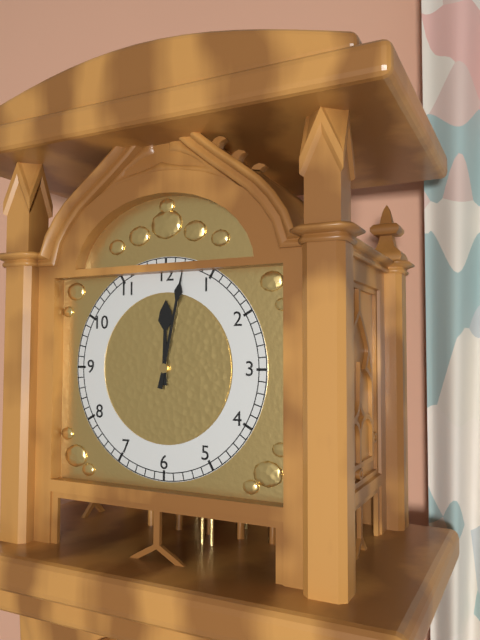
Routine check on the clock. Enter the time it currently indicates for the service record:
12:02
